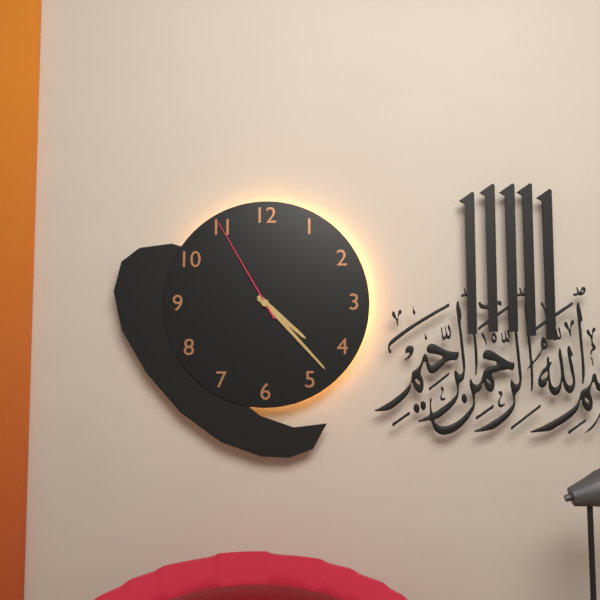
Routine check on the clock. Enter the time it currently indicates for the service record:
4:23:55
